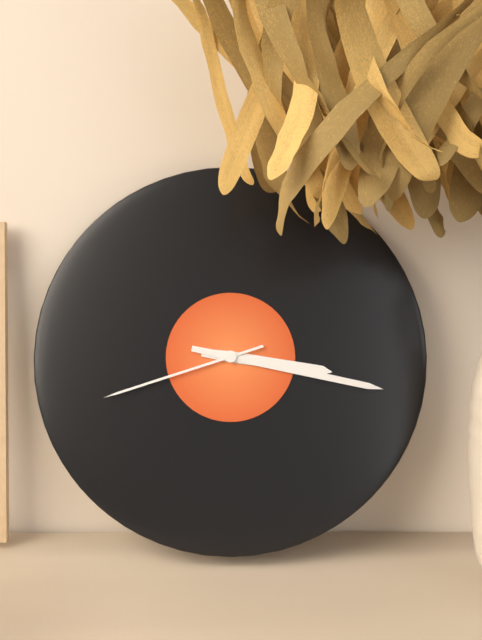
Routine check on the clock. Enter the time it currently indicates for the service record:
3:17:42
